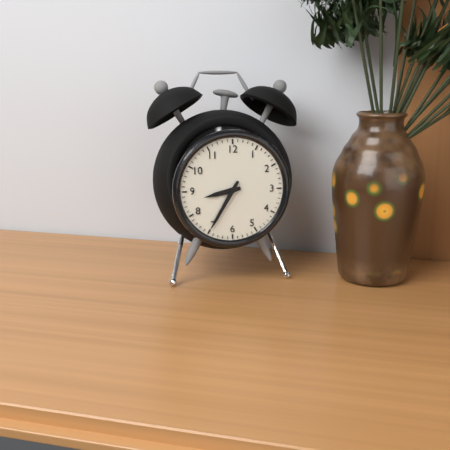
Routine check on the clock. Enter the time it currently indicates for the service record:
8:35
